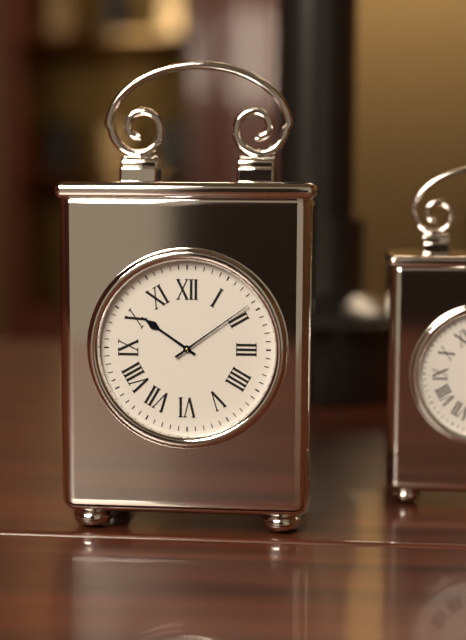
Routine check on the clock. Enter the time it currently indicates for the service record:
10:09
